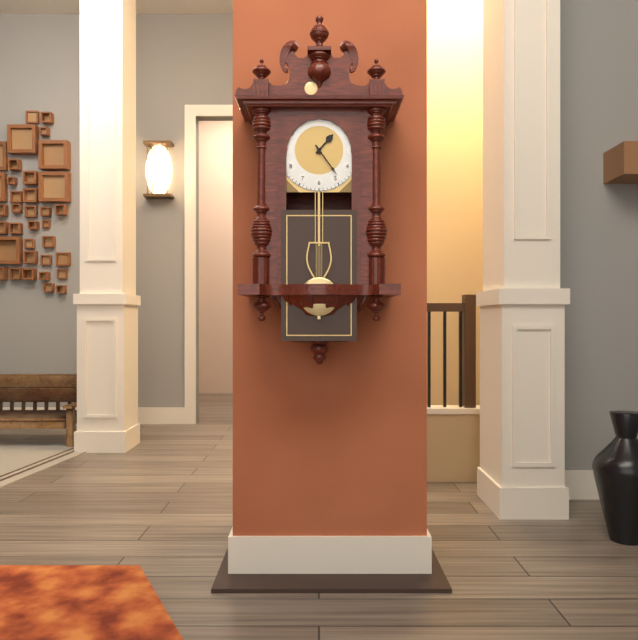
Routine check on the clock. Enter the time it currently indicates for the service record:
1:24
